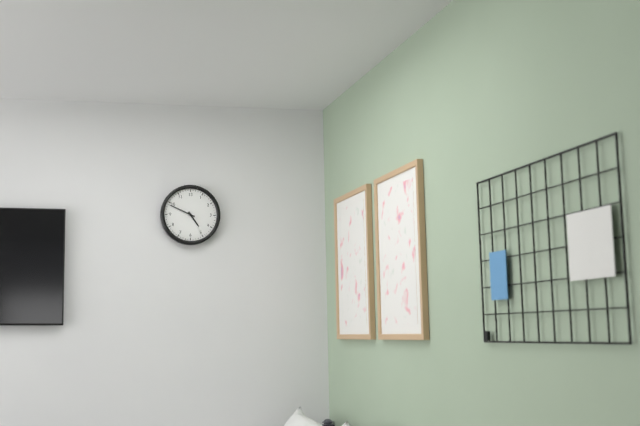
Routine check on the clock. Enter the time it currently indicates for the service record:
4:49
